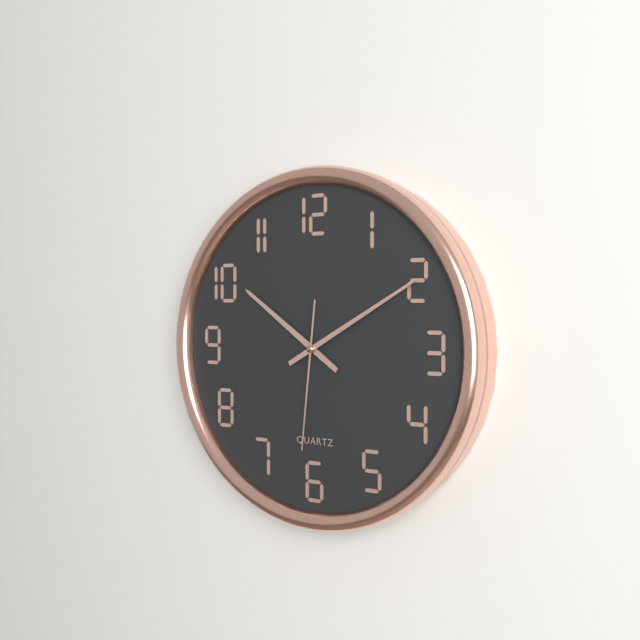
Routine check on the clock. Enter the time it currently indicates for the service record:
10:10:31
